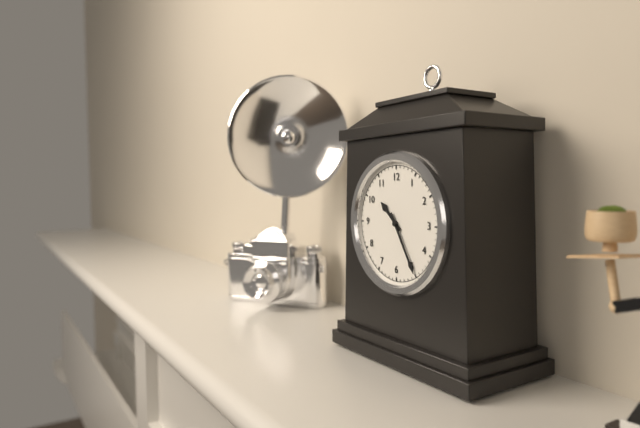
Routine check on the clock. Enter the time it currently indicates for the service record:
10:25
